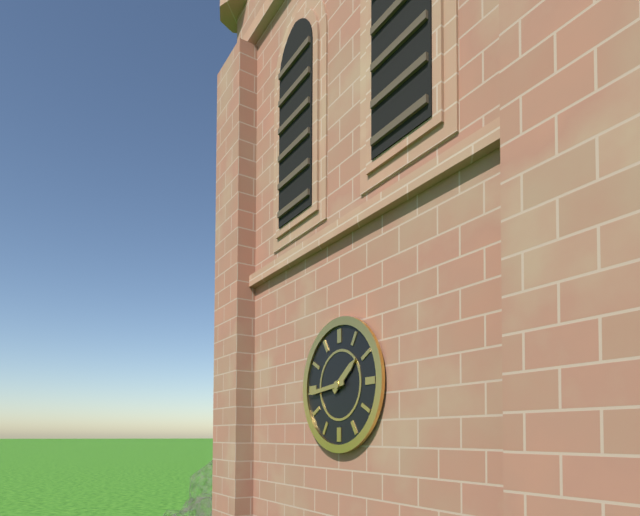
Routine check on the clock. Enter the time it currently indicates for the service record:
1:44
